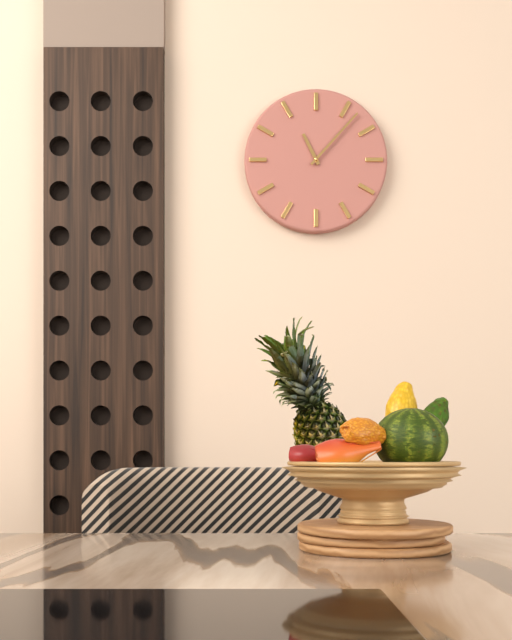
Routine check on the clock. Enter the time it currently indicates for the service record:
11:07
